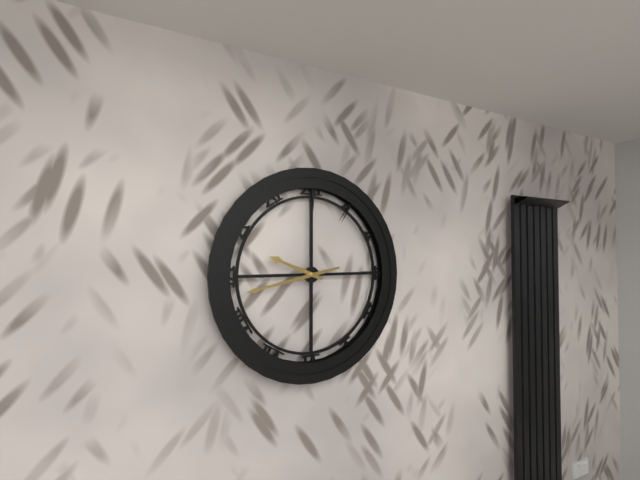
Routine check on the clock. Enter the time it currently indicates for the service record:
9:43
